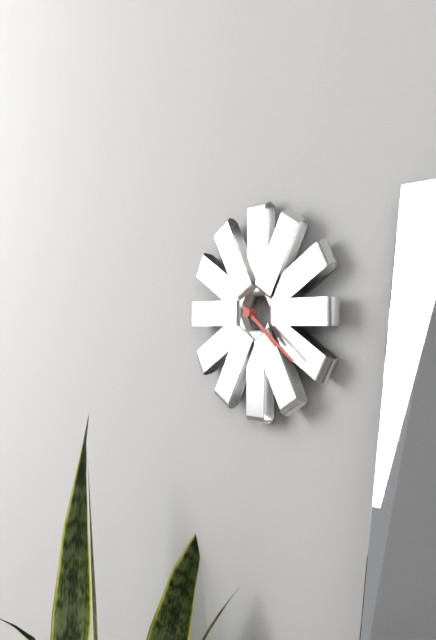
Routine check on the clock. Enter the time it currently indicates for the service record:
4:21
